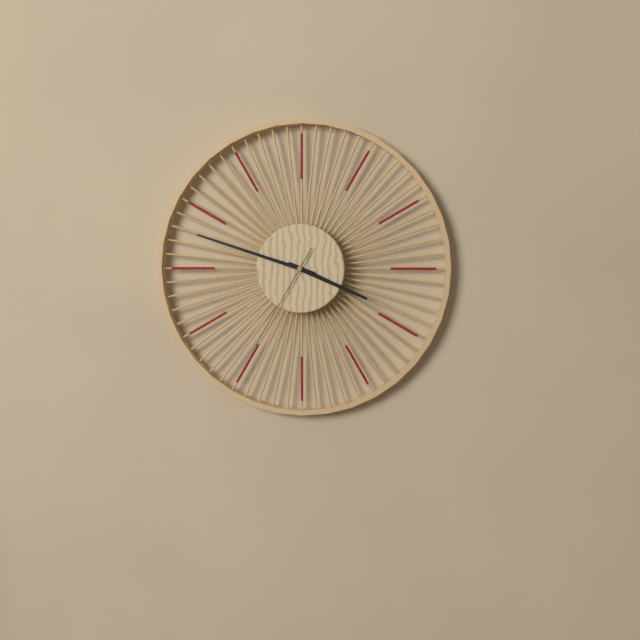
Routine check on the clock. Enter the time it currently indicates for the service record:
3:48:35
